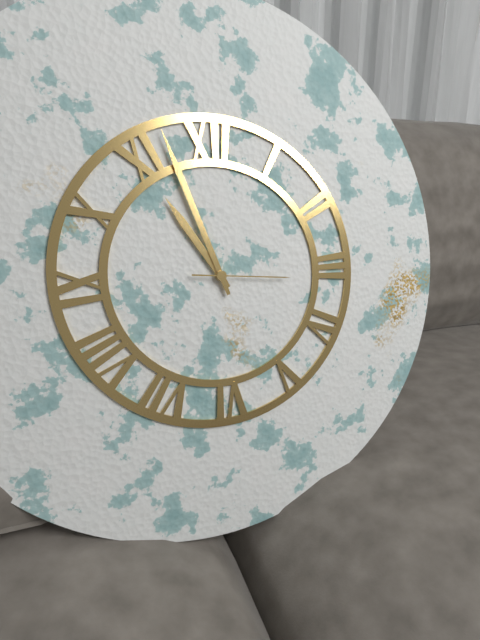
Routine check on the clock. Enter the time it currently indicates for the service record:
10:57:16
